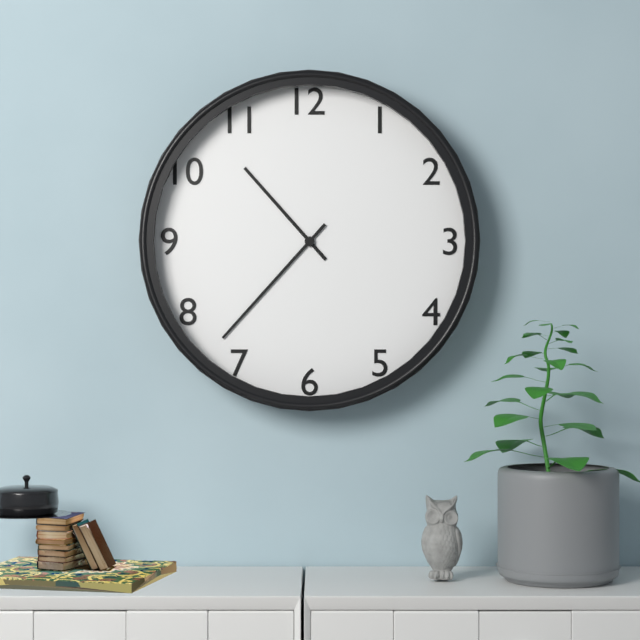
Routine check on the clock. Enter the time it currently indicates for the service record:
10:37
